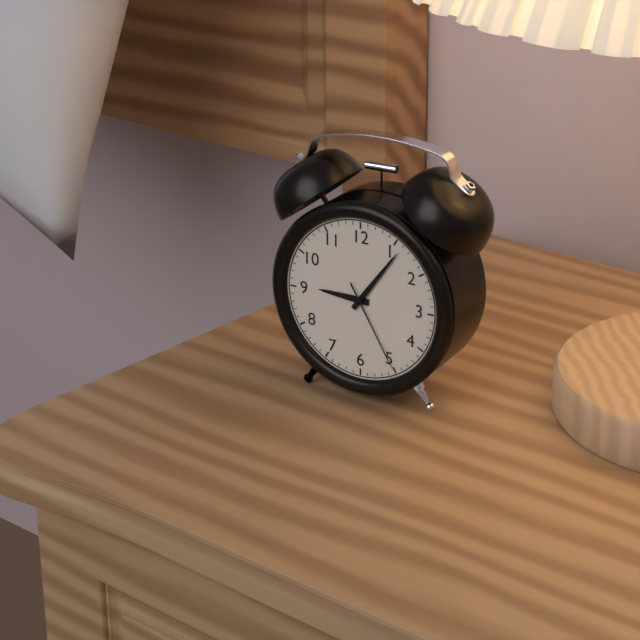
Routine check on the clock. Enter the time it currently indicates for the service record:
9:06:25
